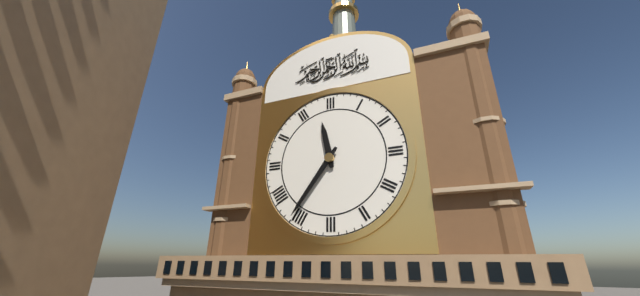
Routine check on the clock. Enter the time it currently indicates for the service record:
11:36
